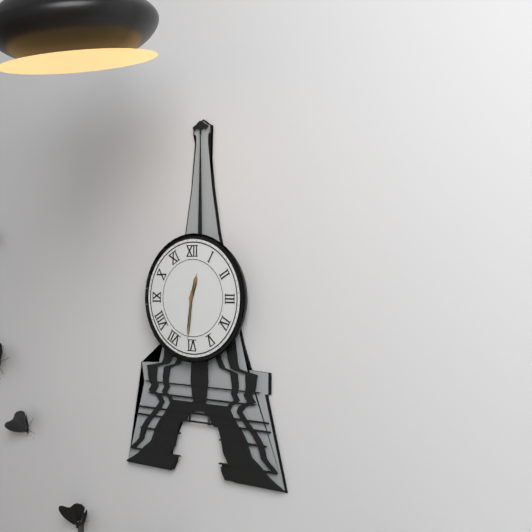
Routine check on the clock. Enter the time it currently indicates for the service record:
12:31
